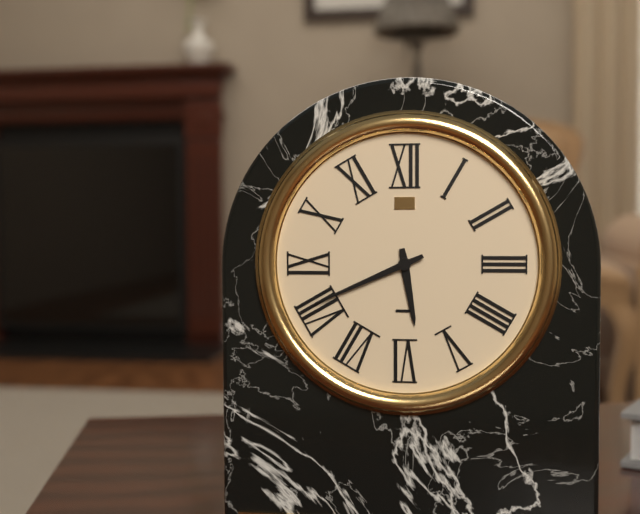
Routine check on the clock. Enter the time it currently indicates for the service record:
5:41
